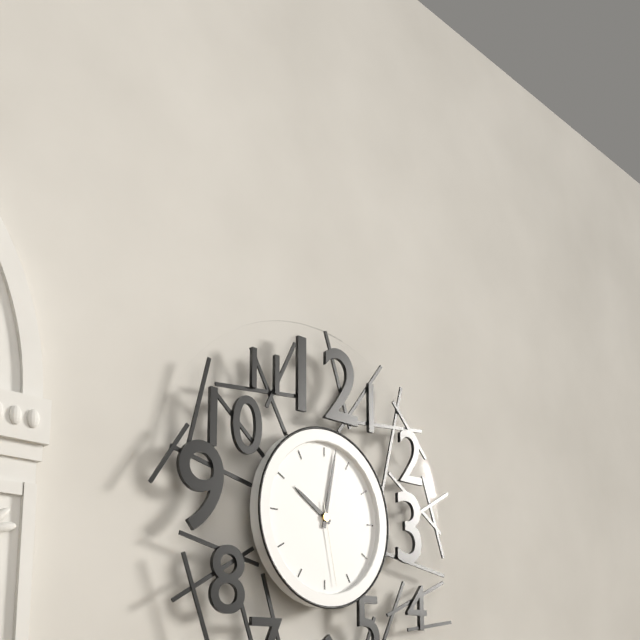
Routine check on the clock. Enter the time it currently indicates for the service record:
10:02:28
